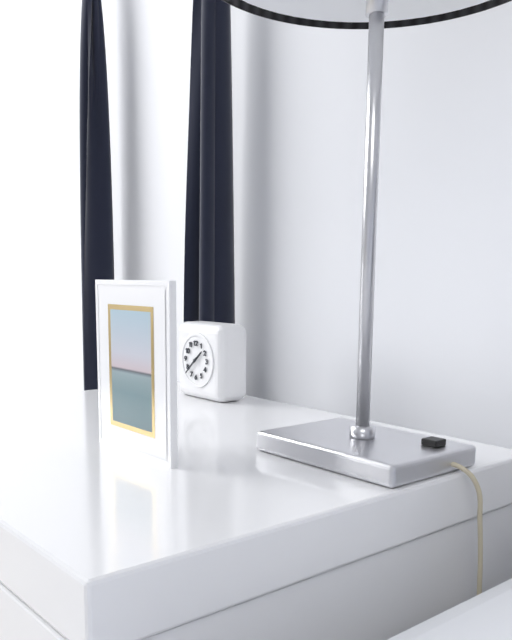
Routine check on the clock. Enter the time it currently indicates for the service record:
1:38
